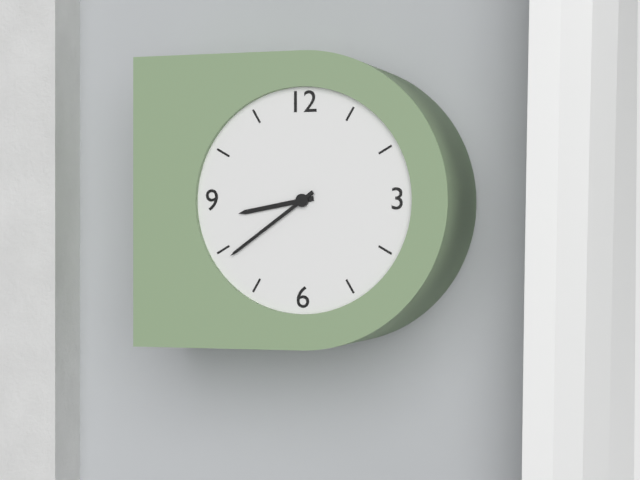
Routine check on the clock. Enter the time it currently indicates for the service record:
8:39
